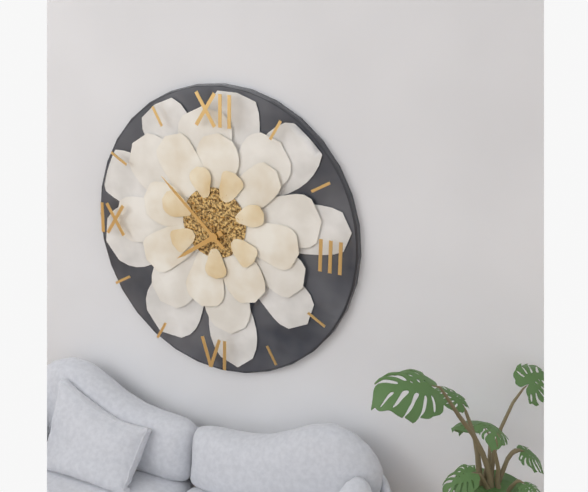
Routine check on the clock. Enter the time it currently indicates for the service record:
7:52
